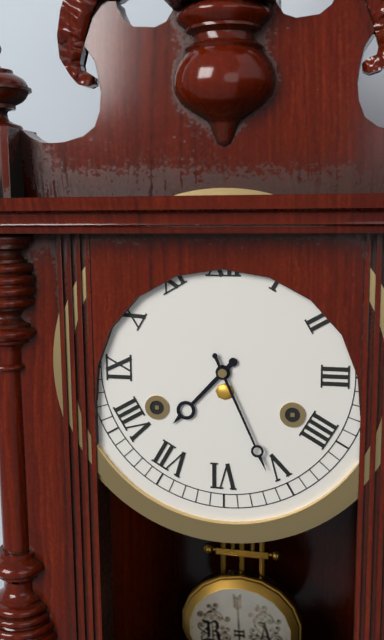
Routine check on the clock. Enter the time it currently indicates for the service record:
7:26
